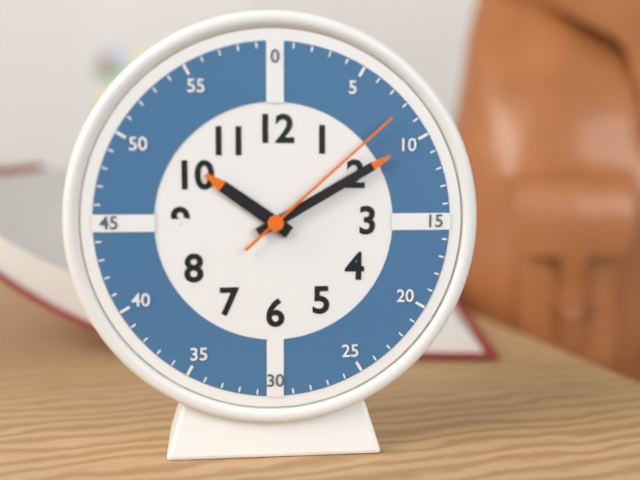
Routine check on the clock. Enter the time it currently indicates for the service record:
10:10:08
